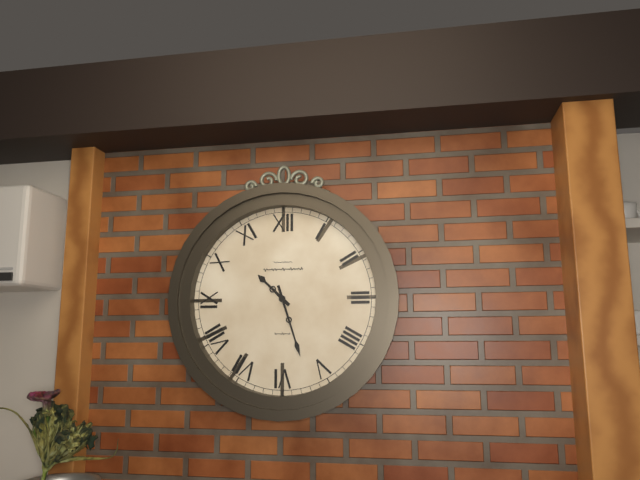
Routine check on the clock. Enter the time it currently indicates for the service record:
10:27
